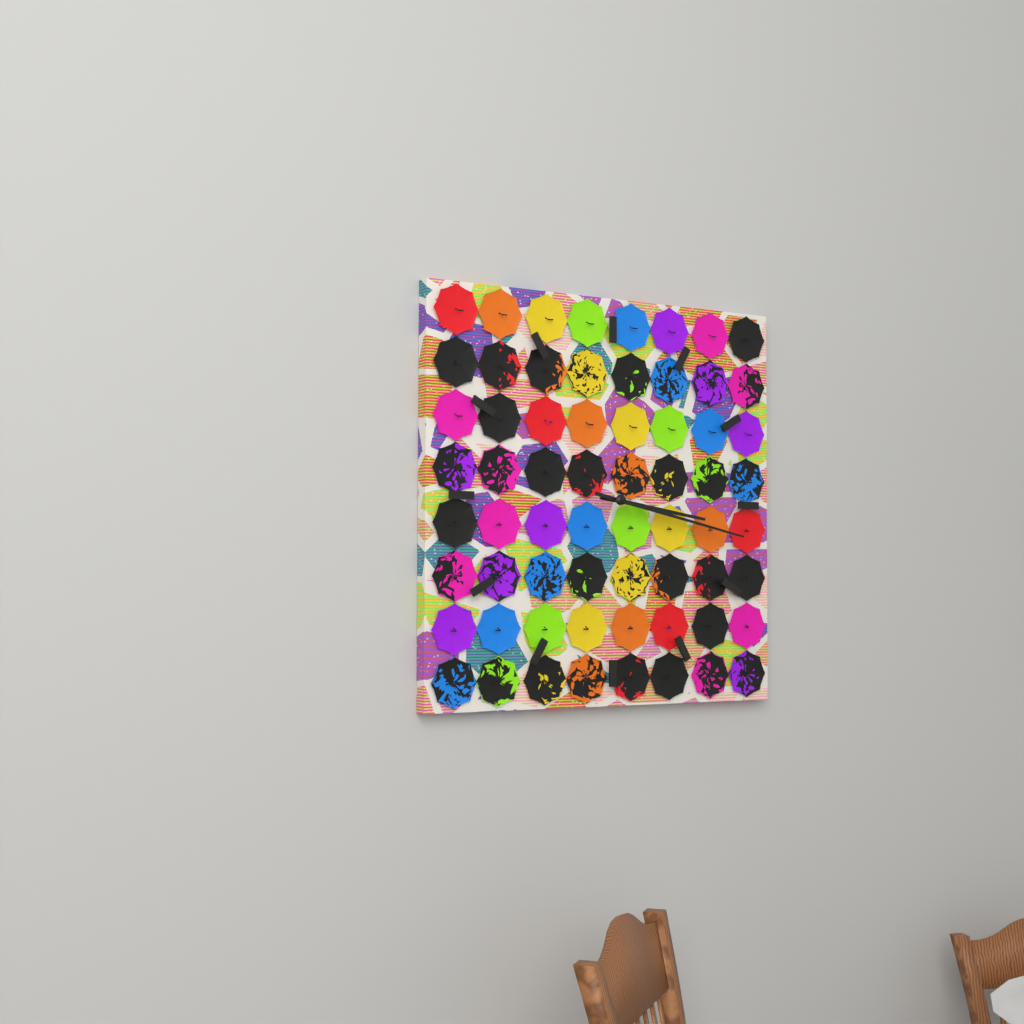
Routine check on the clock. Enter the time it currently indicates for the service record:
3:17
